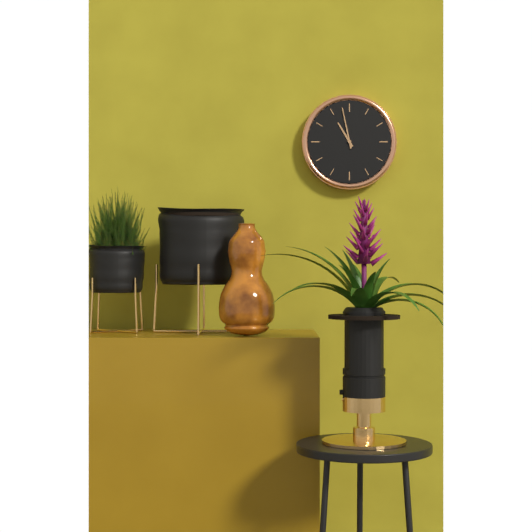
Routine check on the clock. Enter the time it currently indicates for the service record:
10:58
